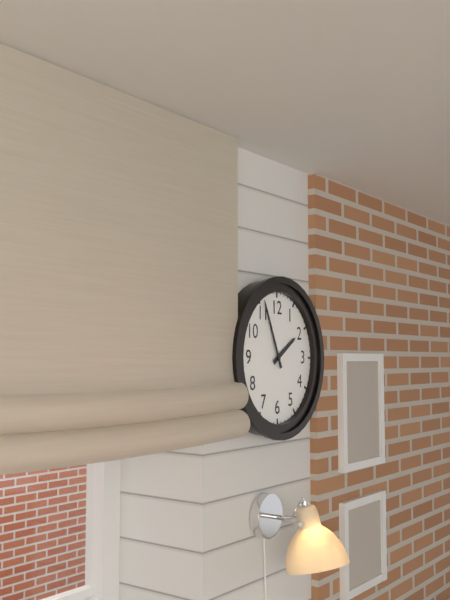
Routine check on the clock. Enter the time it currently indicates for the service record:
1:56
